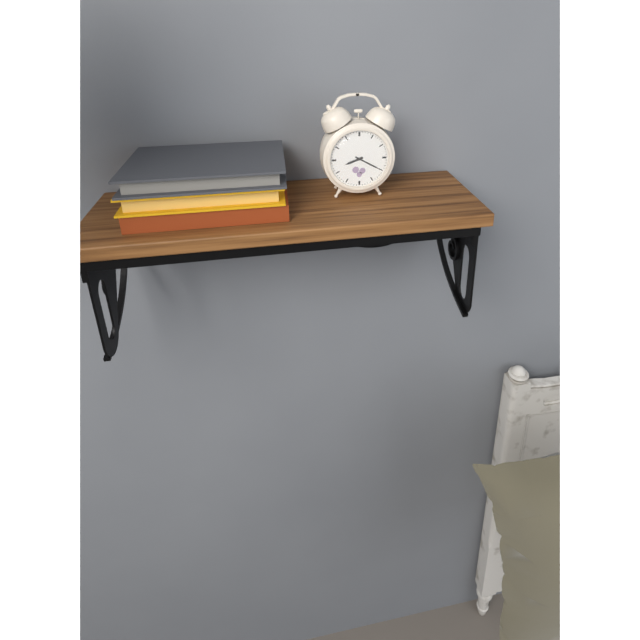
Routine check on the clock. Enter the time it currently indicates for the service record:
8:20
